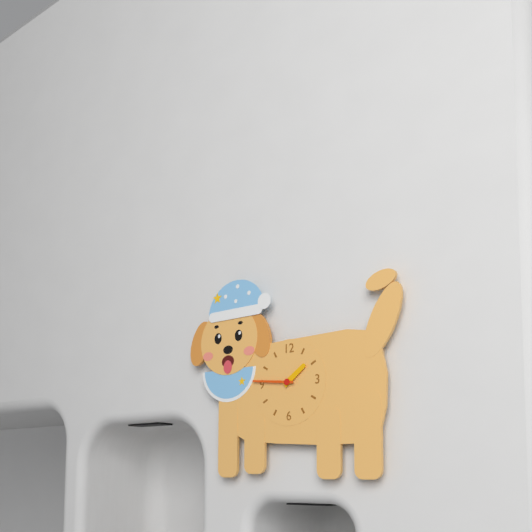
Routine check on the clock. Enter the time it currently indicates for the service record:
1:46
